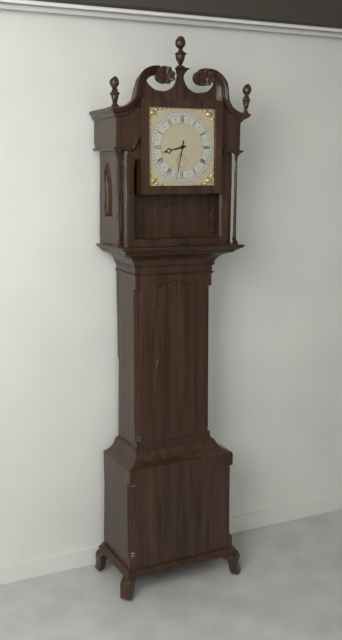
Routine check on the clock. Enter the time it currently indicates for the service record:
8:32
